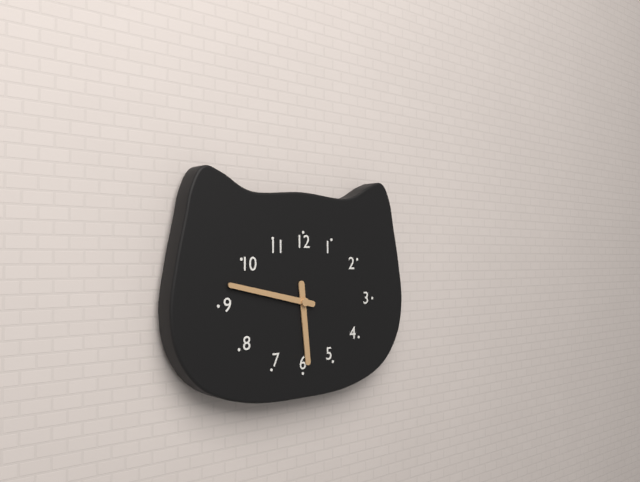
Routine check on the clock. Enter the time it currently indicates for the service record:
5:47
